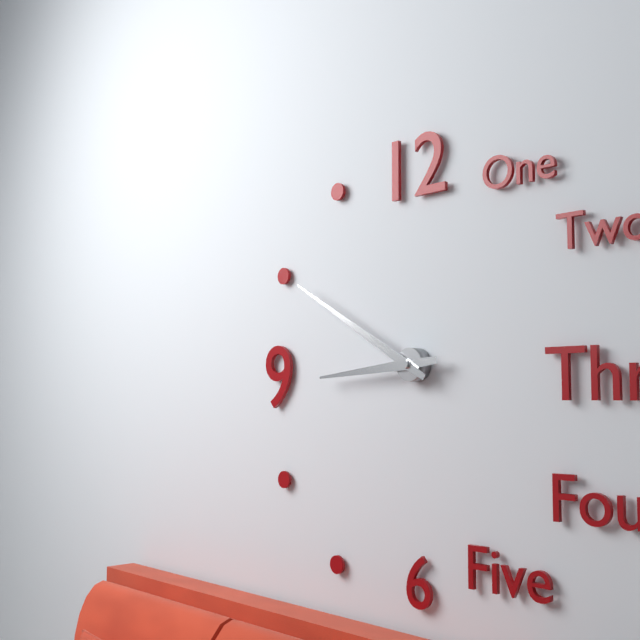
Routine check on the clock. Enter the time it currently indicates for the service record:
8:50
